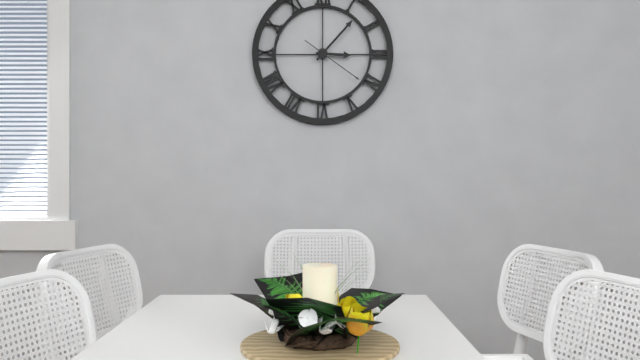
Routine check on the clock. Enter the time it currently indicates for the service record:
3:07:21
